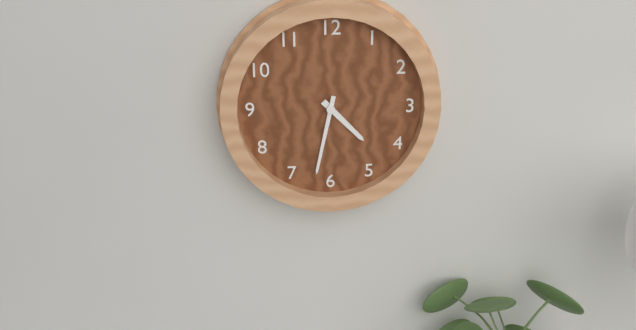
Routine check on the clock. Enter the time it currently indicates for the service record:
4:32
